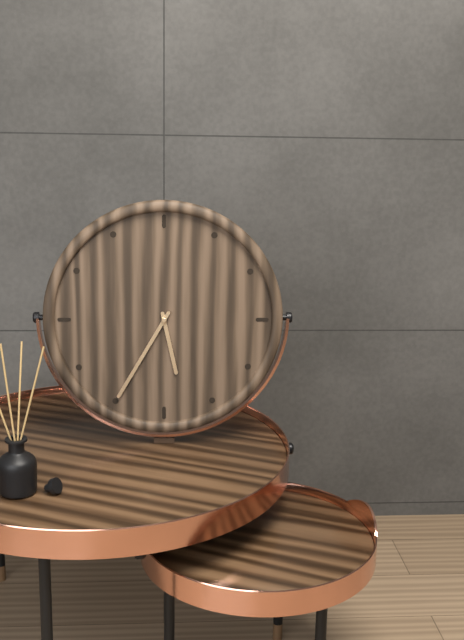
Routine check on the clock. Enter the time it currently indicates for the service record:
5:35
